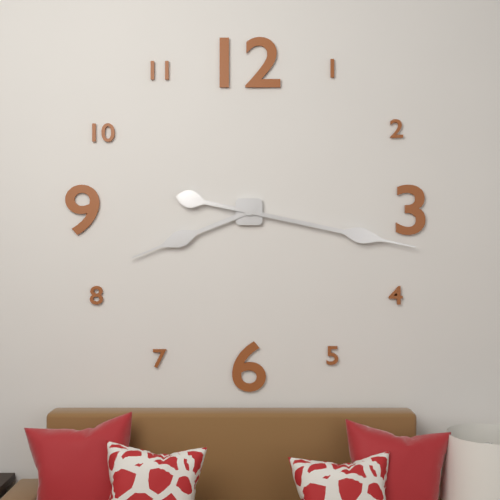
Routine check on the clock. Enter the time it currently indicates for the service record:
8:17
